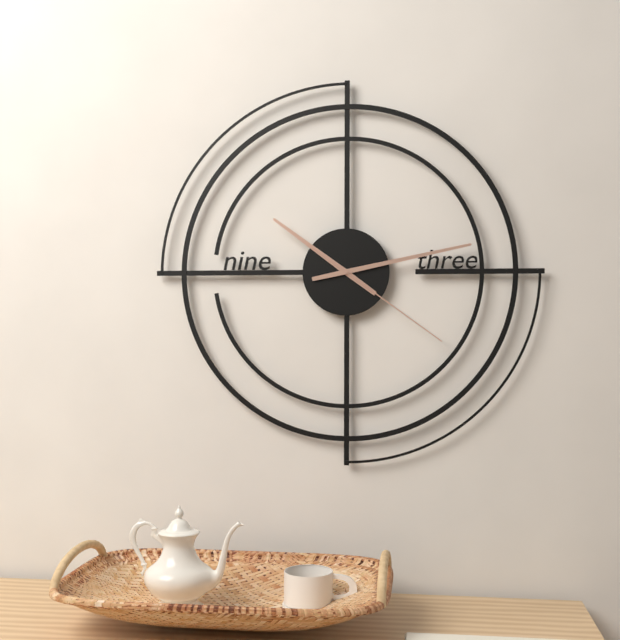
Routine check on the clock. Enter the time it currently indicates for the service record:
10:13:21
